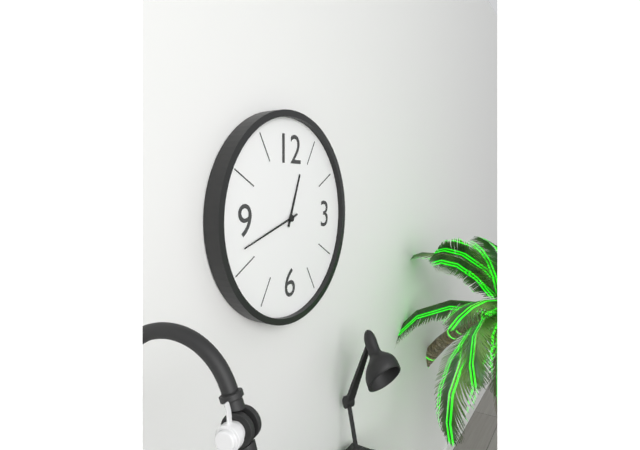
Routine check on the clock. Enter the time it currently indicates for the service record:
12:42
